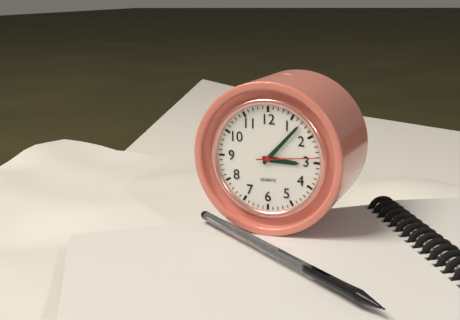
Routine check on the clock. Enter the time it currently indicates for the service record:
3:07:14
